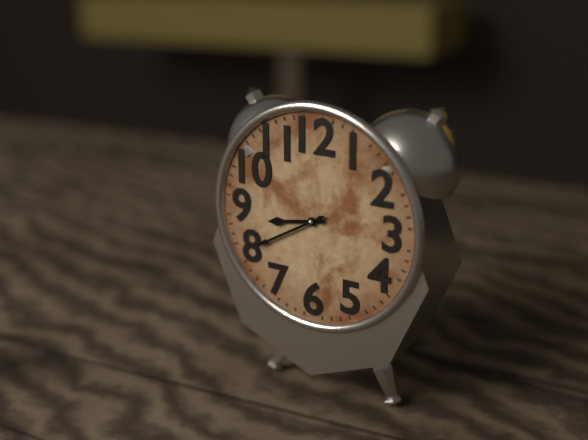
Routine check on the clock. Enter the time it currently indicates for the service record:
8:40
